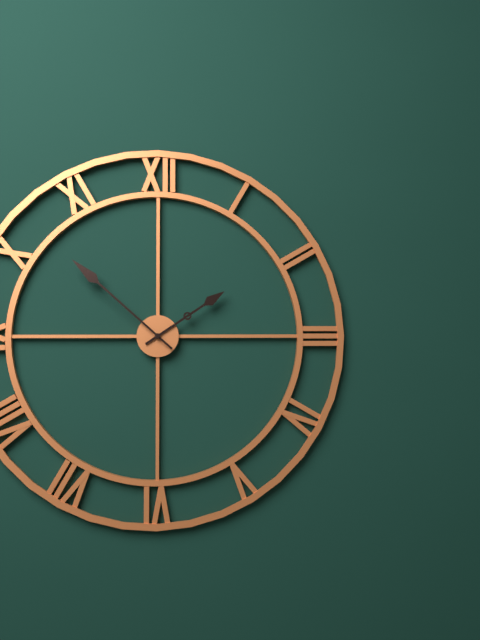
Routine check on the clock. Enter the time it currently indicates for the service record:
1:52
